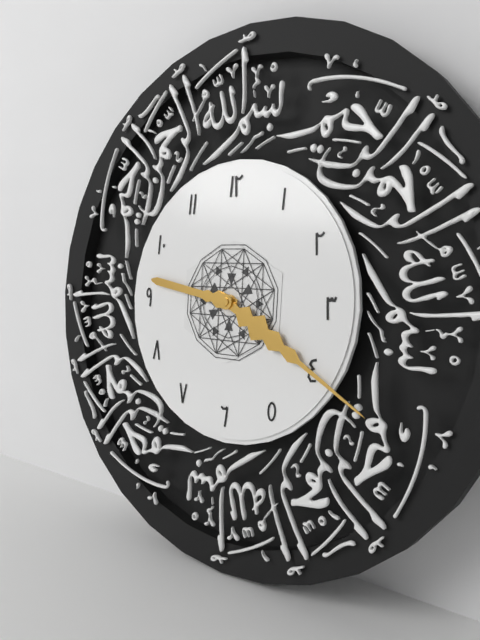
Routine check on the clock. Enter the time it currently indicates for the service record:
9:20
